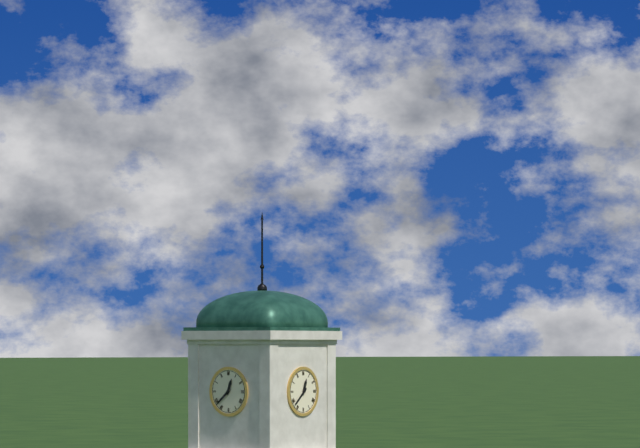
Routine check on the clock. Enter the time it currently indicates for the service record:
12:38
